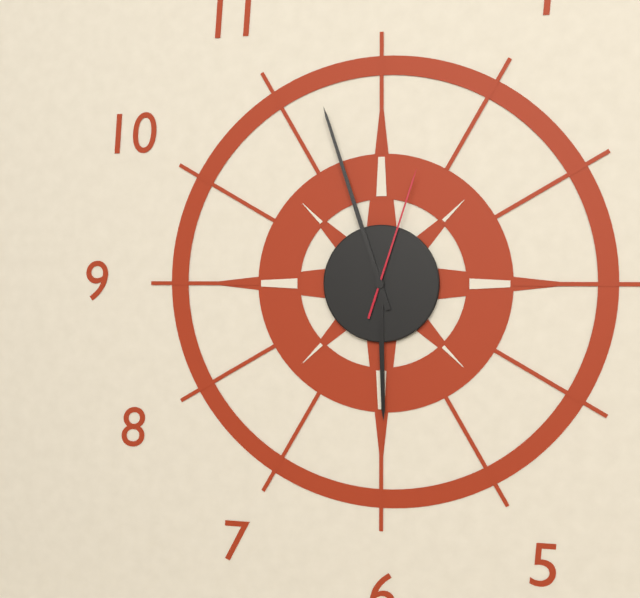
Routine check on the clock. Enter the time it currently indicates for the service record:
5:57:03
